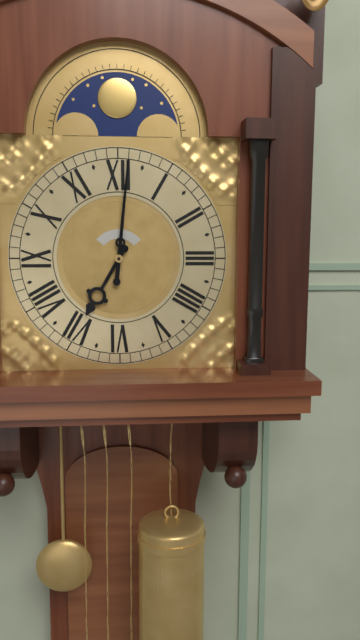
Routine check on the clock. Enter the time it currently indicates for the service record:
7:01
